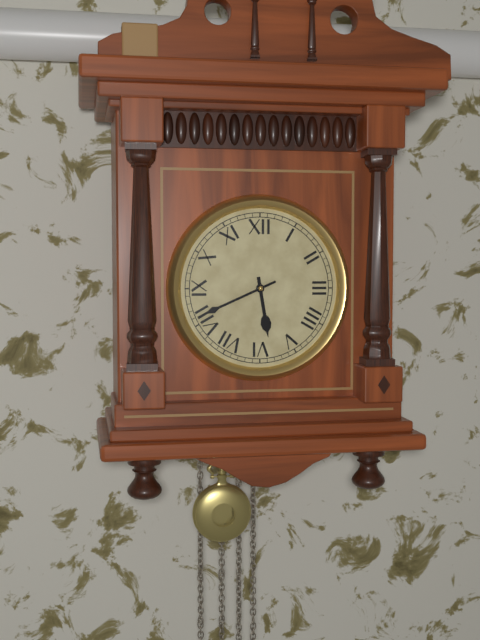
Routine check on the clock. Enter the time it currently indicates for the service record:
5:41
